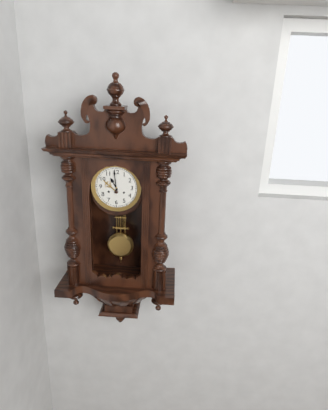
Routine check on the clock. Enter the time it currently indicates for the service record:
10:59
